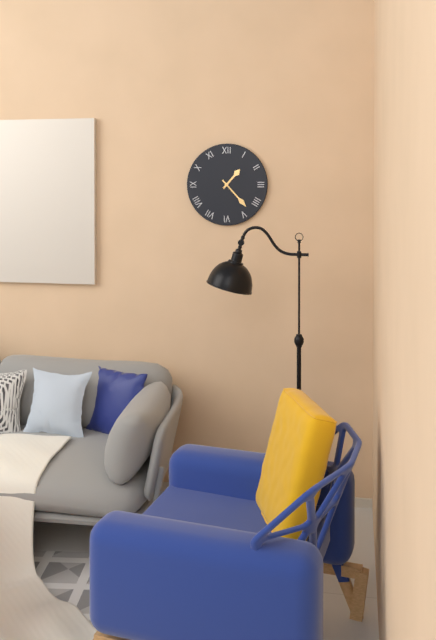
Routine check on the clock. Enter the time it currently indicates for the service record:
1:23
